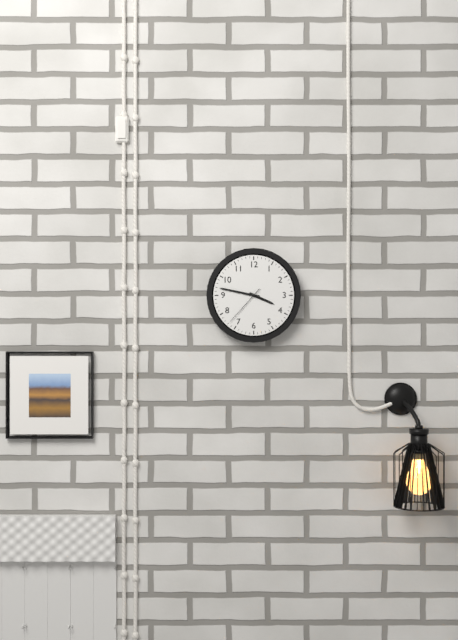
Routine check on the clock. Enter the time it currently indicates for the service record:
3:47
